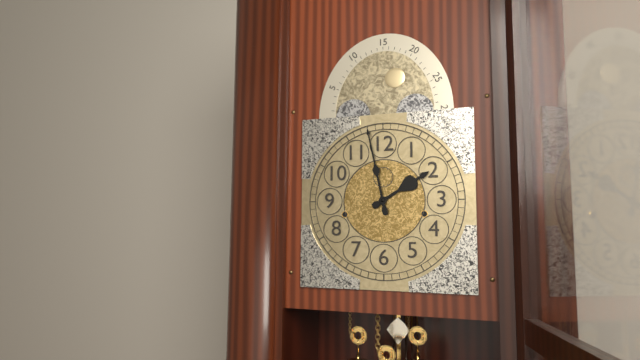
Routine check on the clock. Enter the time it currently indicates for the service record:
1:58
